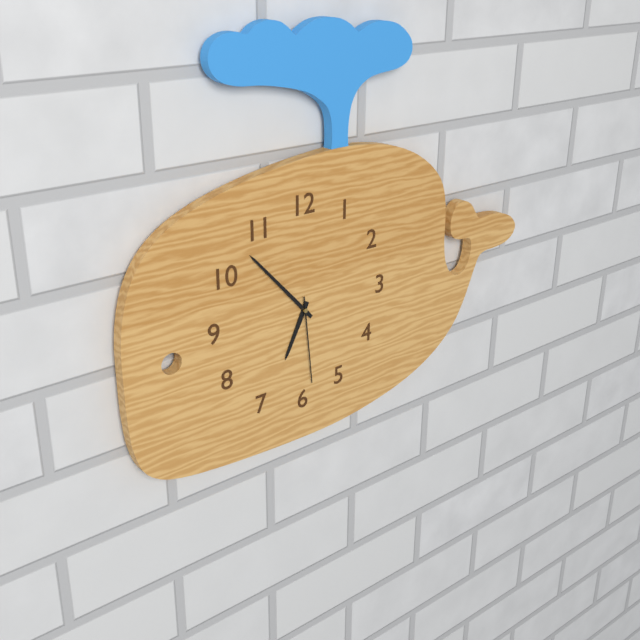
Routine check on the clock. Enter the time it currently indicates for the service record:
6:53:29
